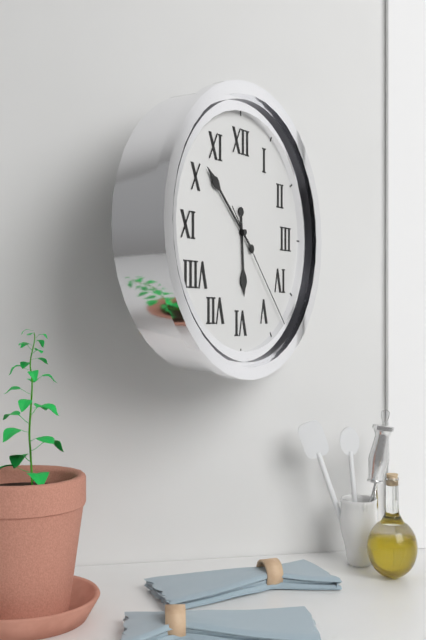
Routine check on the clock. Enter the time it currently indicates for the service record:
5:52:23
